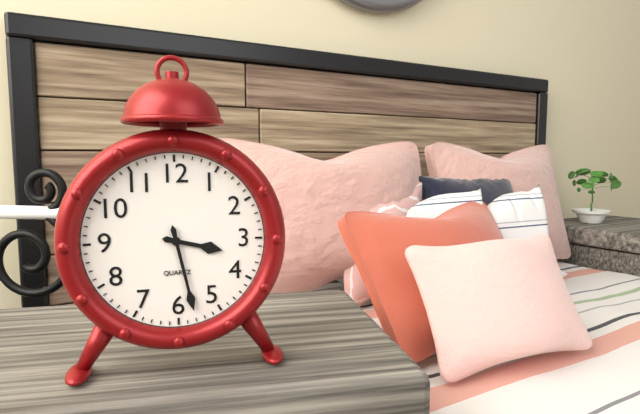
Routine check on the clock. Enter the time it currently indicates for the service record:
3:28
